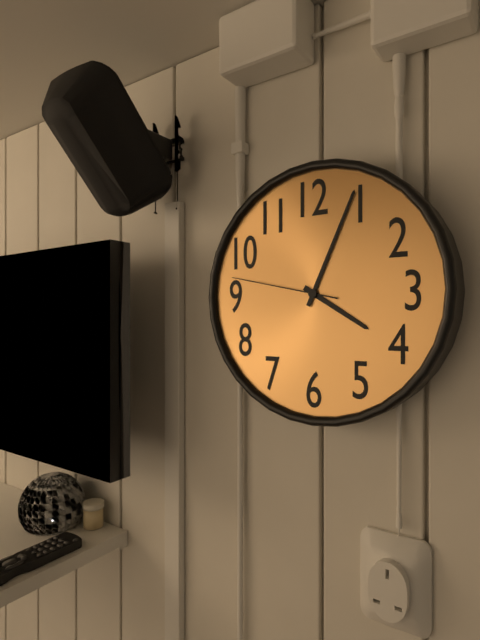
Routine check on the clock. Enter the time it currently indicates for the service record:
4:04:47
